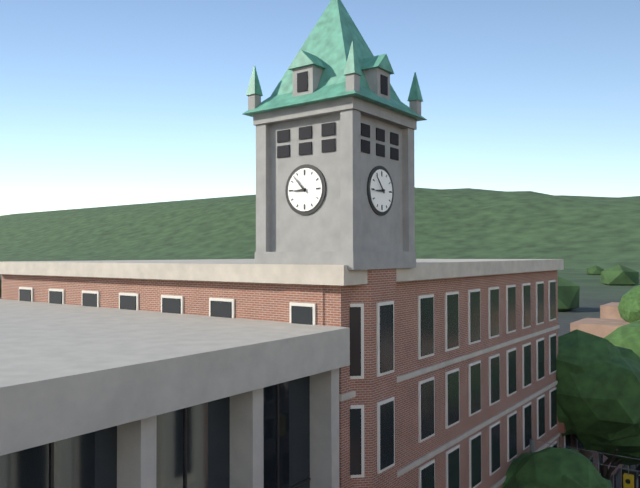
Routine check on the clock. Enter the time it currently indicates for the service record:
8:53
